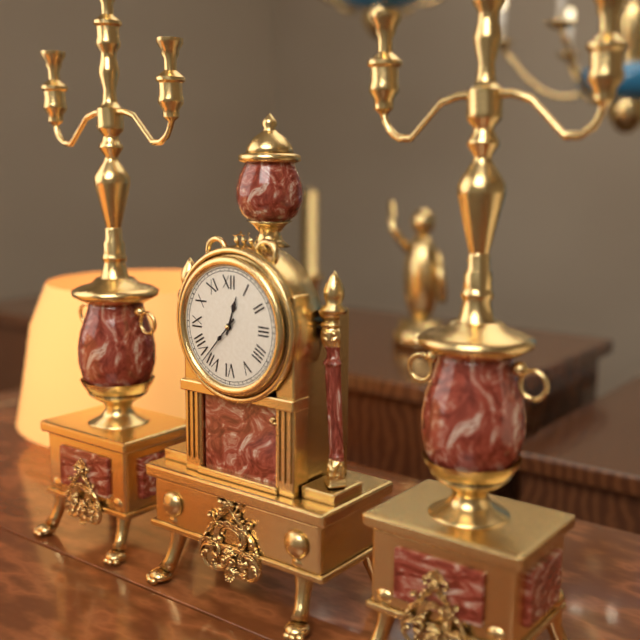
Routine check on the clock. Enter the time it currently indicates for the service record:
12:37
